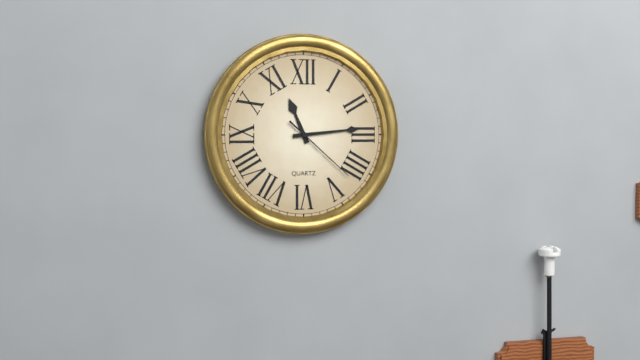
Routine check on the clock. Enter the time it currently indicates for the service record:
11:14:22
